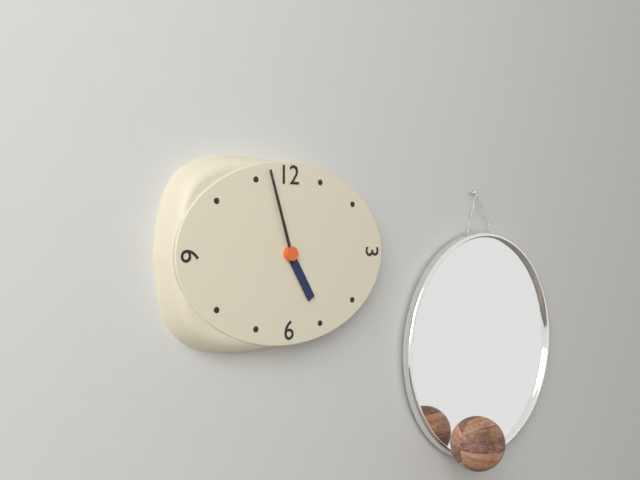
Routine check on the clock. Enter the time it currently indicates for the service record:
4:57
